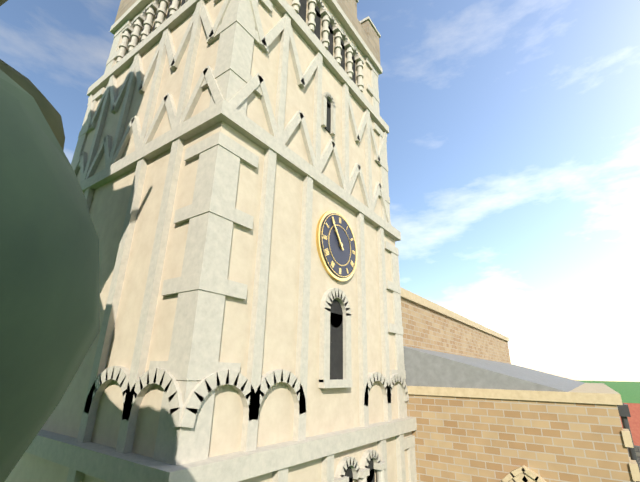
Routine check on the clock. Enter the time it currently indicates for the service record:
10:54
